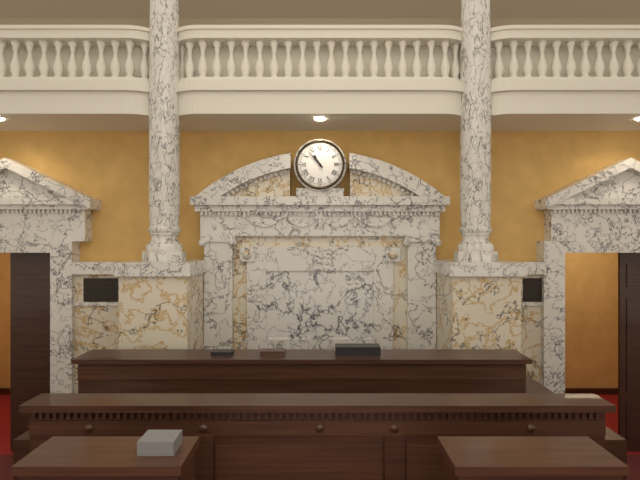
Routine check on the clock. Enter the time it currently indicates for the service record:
10:53
